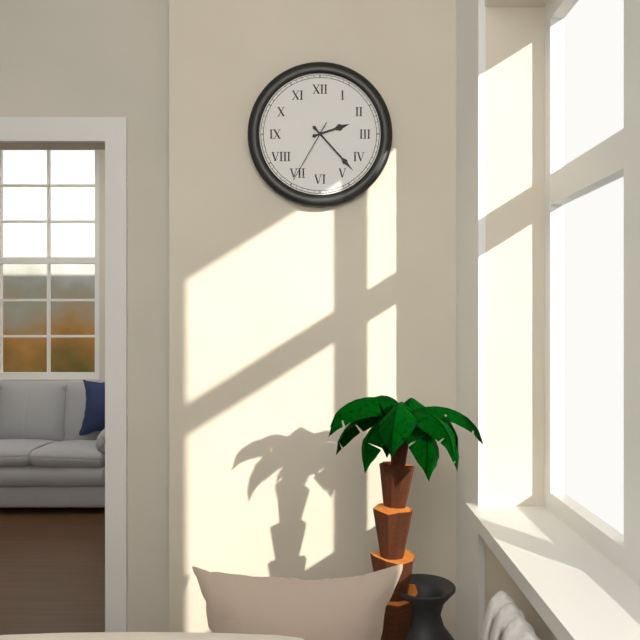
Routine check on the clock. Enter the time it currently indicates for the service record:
2:23:35
